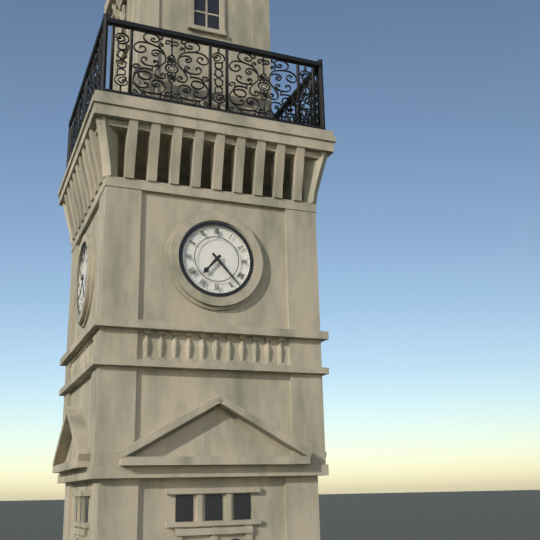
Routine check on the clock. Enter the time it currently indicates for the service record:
7:23
